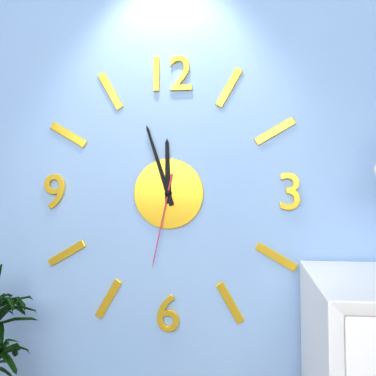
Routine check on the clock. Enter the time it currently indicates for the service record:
11:57:32
